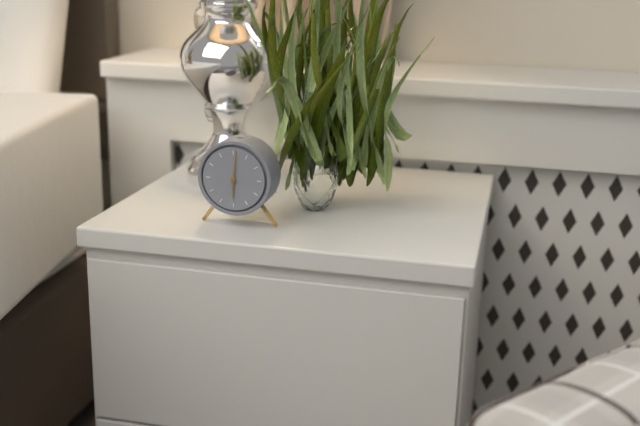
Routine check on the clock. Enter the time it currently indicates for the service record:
6:01
